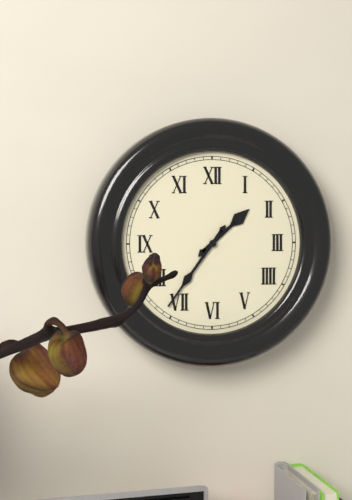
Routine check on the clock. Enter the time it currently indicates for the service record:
1:36
